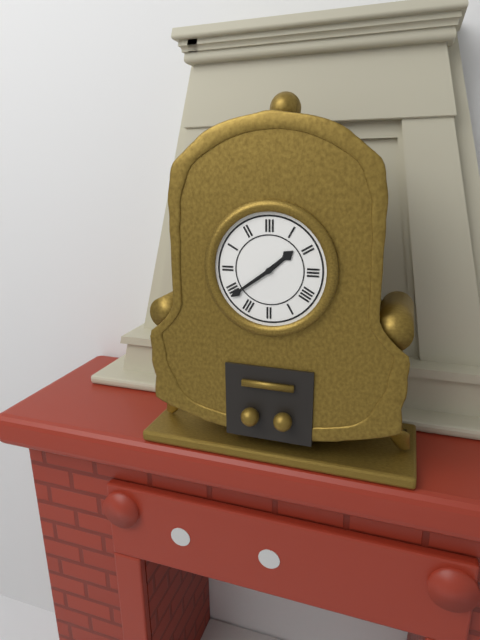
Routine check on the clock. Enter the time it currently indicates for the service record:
1:39
